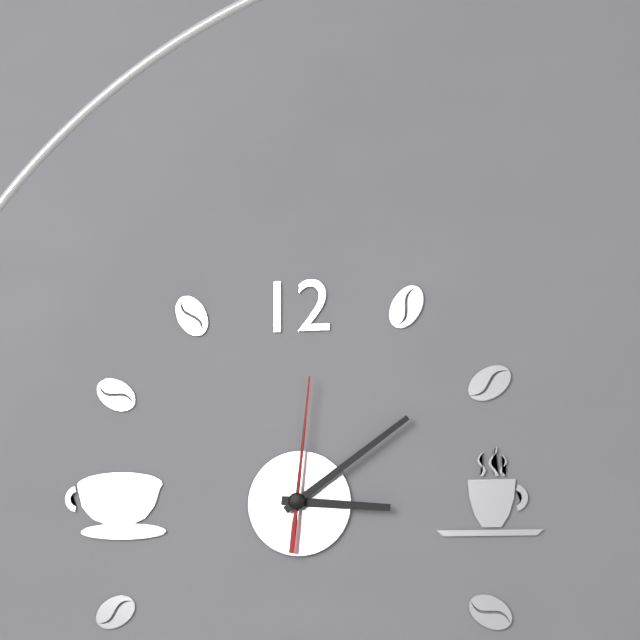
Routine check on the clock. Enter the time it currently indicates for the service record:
3:09:01
